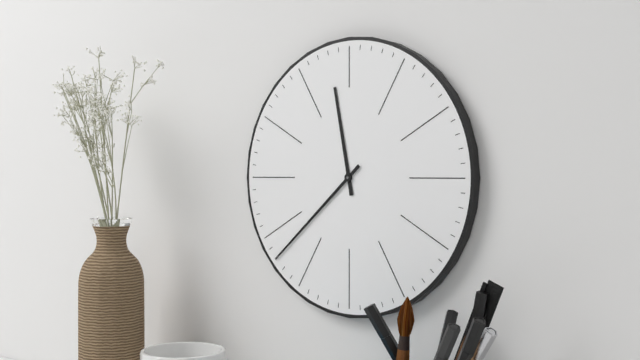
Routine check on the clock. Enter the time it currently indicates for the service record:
11:38
